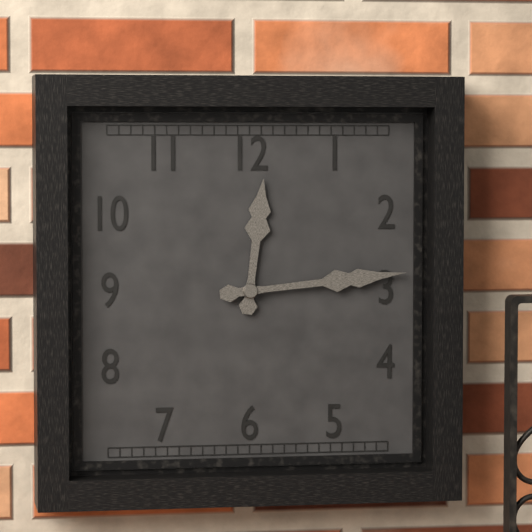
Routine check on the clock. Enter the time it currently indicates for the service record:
12:14
